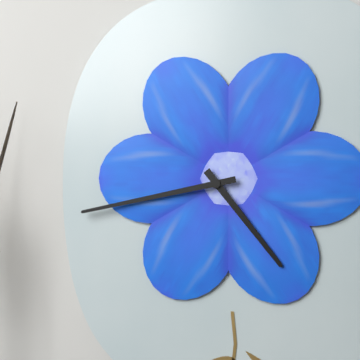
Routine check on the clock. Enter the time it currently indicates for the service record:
4:43
